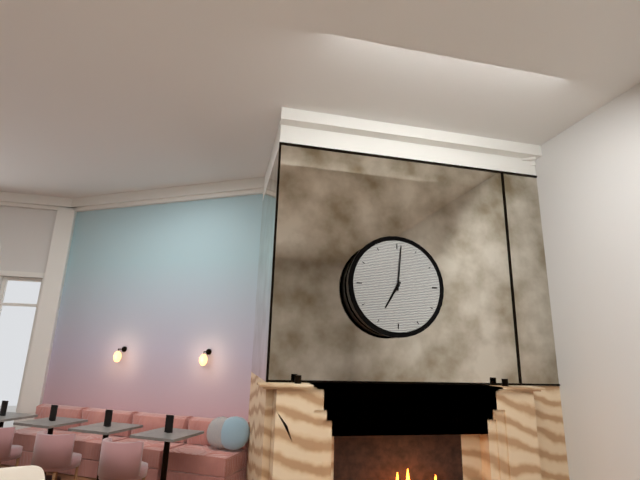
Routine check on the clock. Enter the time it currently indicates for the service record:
7:01
